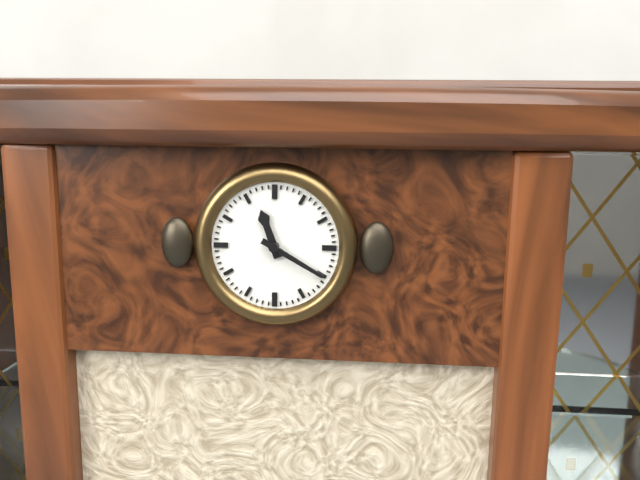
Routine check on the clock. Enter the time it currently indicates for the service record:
11:20
